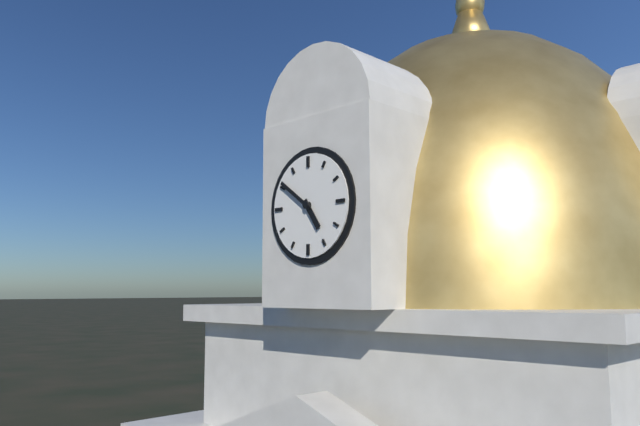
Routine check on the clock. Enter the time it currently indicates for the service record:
4:51
